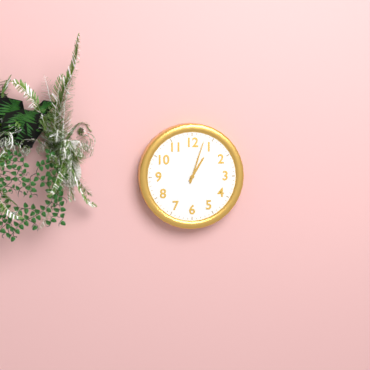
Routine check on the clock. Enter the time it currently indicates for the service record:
1:03
